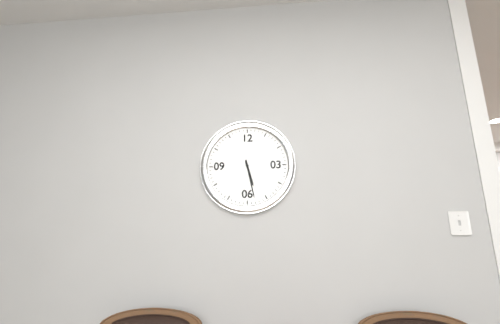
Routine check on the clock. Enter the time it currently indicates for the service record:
5:28
